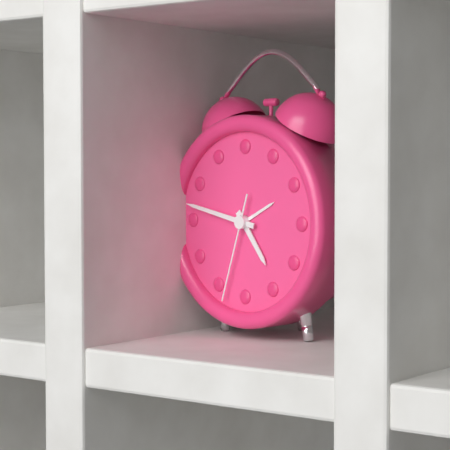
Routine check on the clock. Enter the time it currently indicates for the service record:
4:47:33
